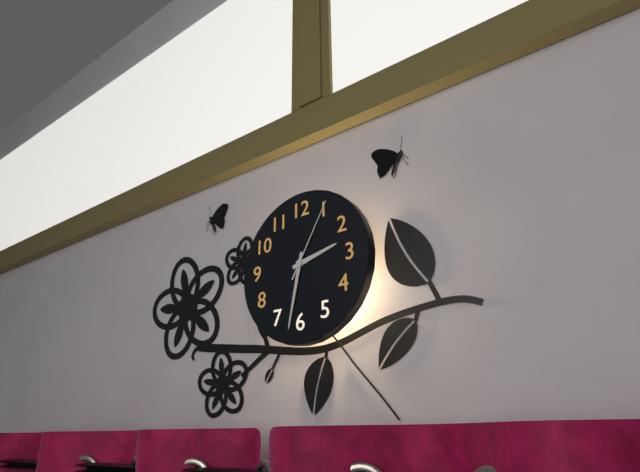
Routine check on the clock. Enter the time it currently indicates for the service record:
2:32:05
